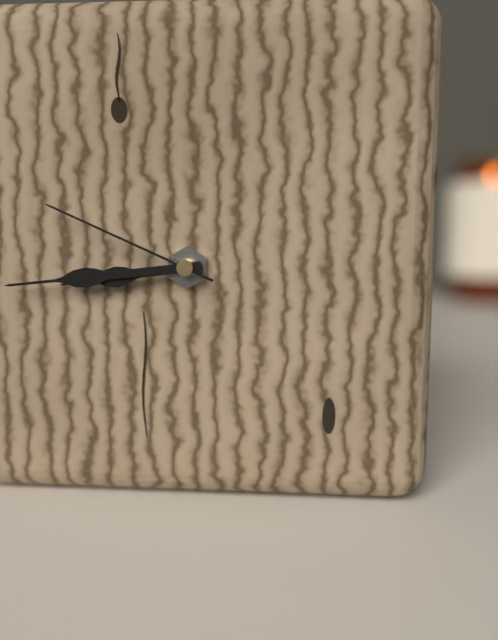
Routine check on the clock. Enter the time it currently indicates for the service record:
8:44:49
